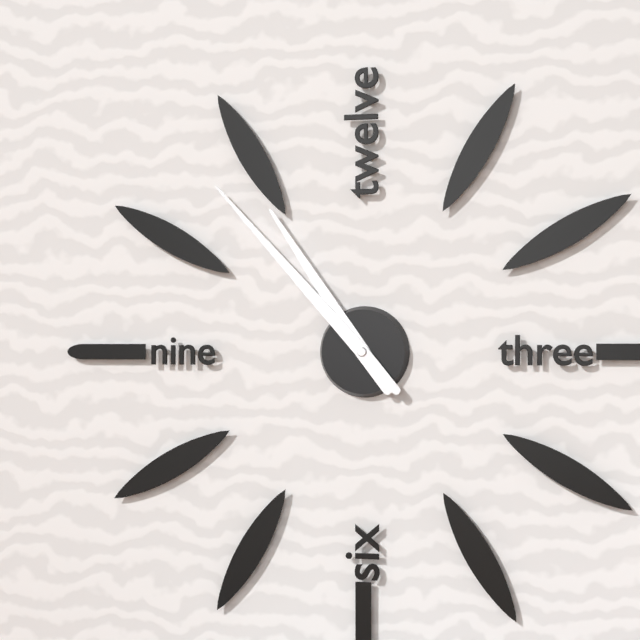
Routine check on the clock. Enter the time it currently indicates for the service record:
10:53
